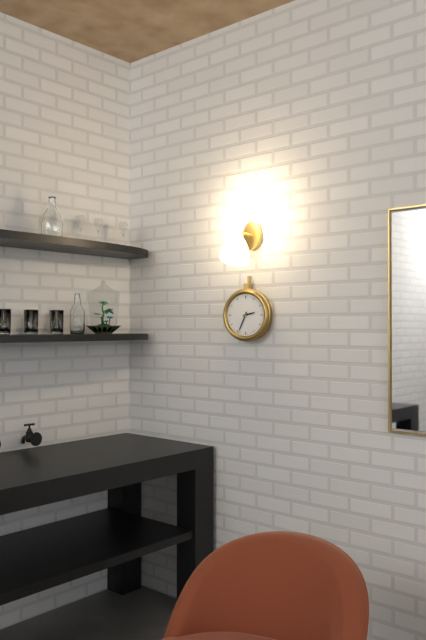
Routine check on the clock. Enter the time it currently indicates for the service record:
2:34
